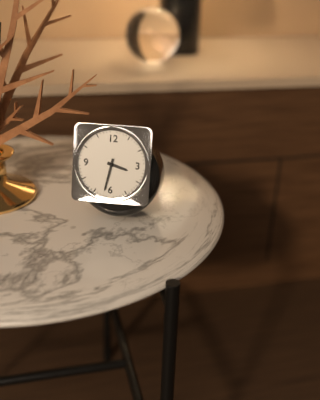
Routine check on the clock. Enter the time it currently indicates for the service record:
3:32
